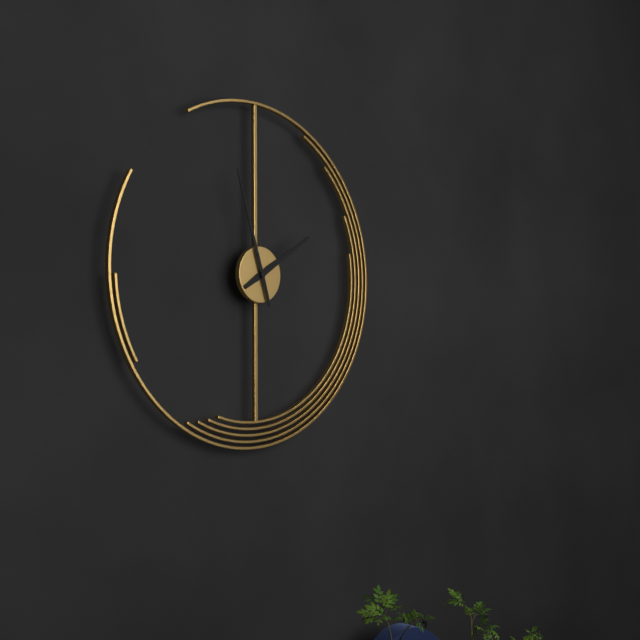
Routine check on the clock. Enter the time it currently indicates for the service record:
1:57
